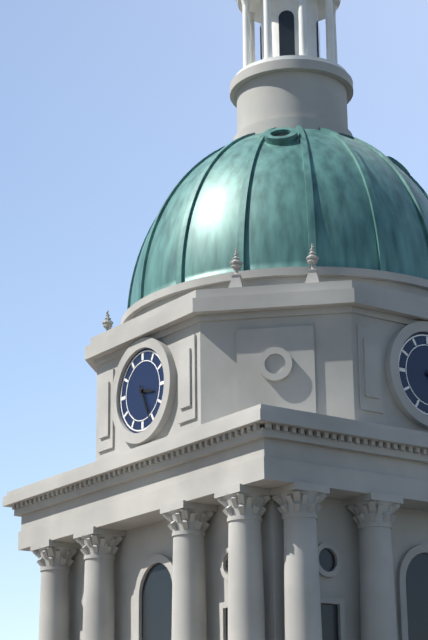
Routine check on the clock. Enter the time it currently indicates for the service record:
3:26
